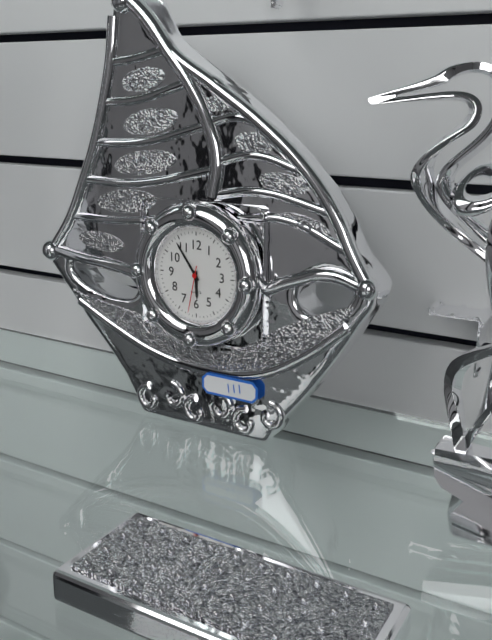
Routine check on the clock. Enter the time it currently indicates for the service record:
5:54
